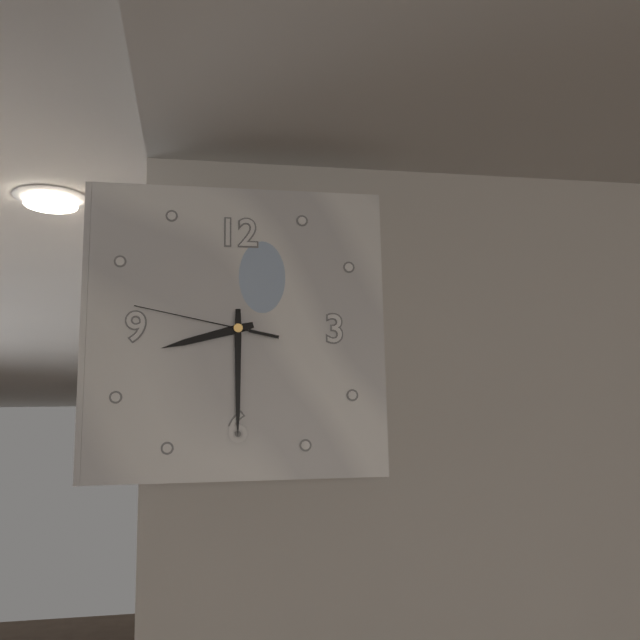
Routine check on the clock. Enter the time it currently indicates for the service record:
8:30:47
